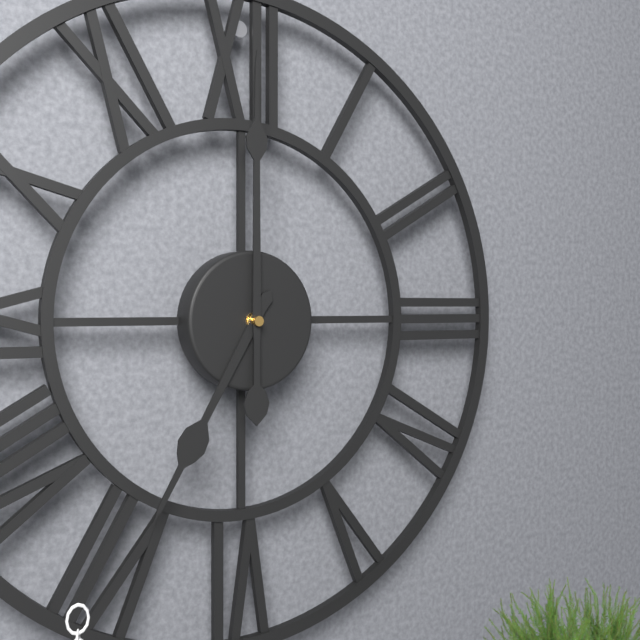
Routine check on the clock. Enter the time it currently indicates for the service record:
7:00
